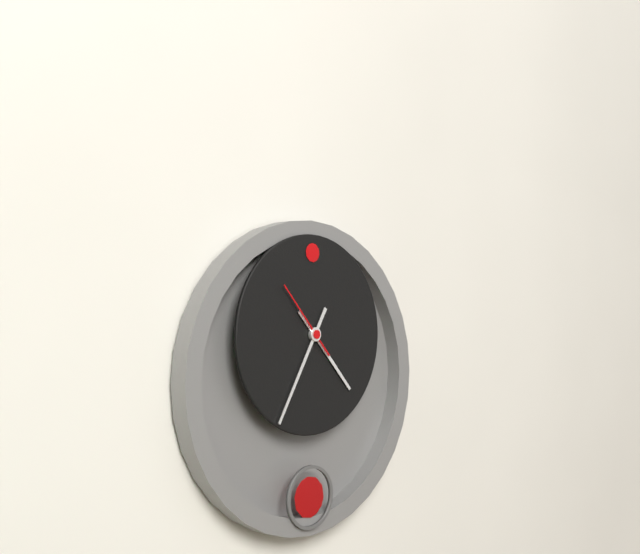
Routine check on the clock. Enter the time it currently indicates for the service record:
4:35:53
